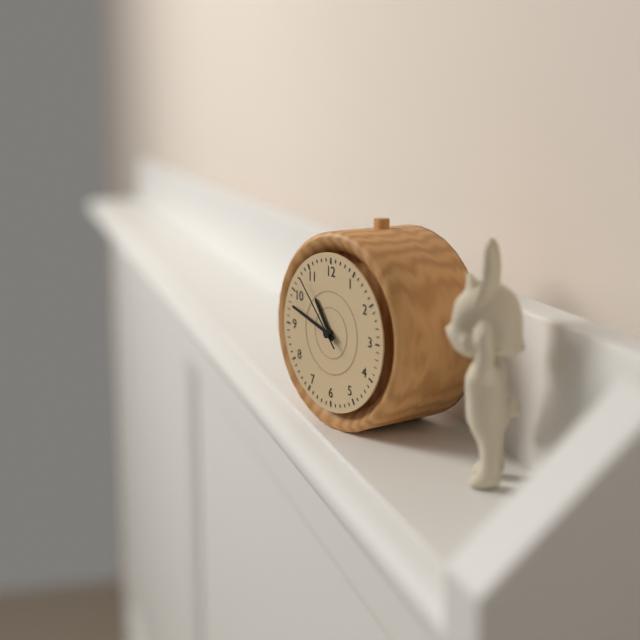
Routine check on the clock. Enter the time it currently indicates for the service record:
10:48:53
